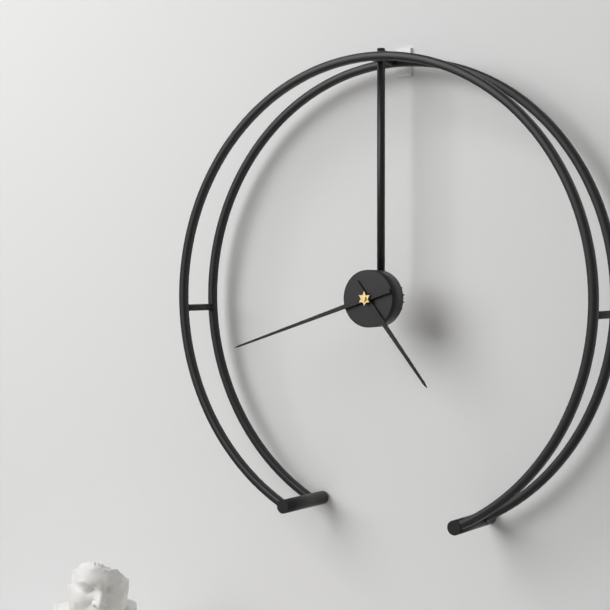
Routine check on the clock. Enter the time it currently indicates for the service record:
4:42
